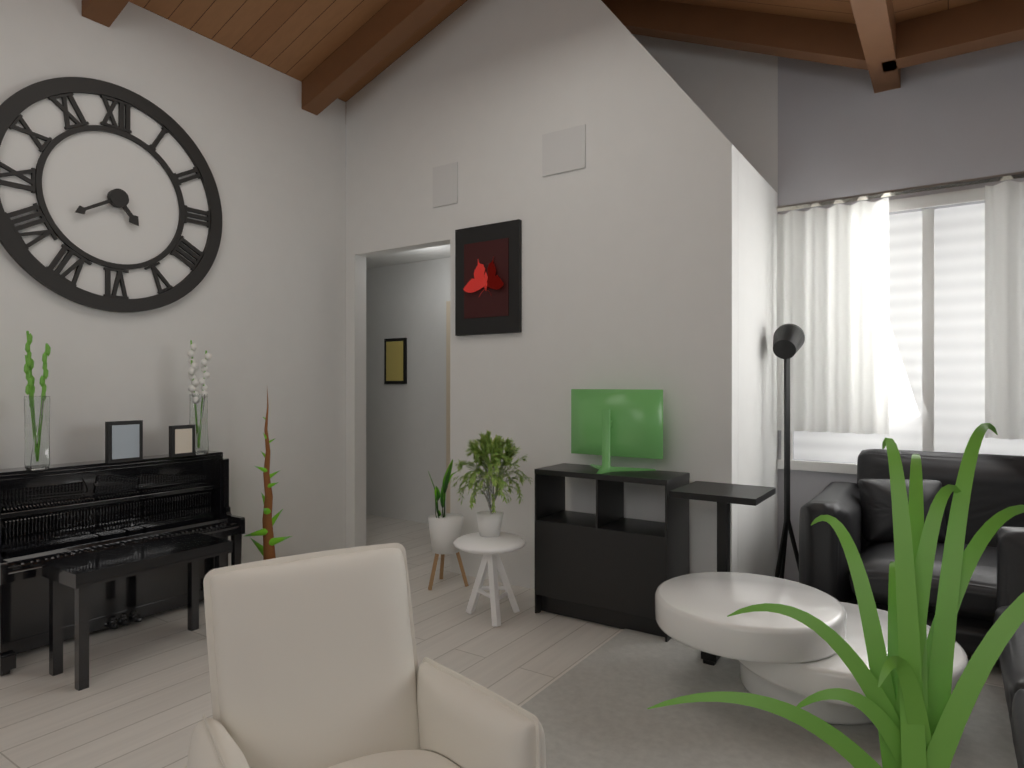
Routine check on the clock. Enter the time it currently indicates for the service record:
4:40
